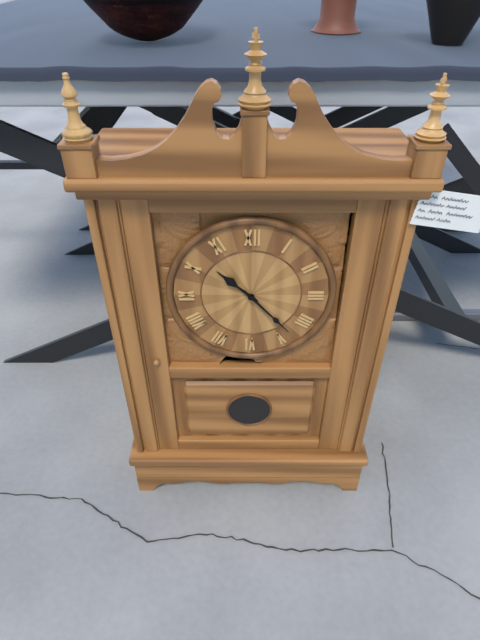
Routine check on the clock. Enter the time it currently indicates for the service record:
10:23
